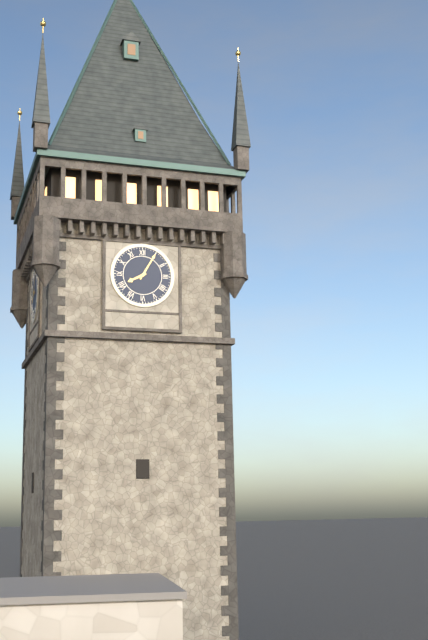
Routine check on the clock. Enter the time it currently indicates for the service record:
8:05
